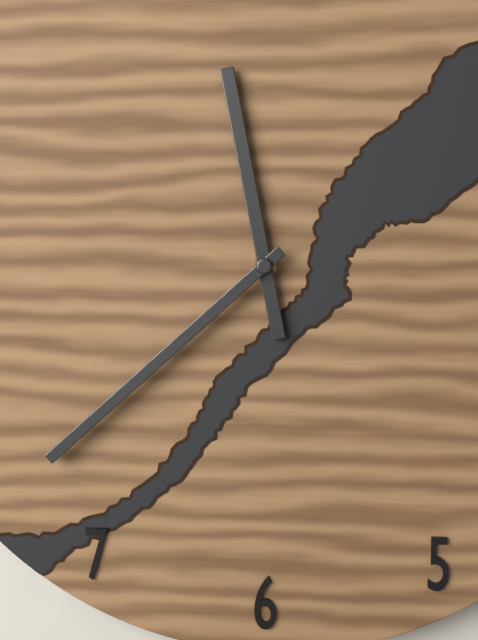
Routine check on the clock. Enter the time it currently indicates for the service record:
11:38
